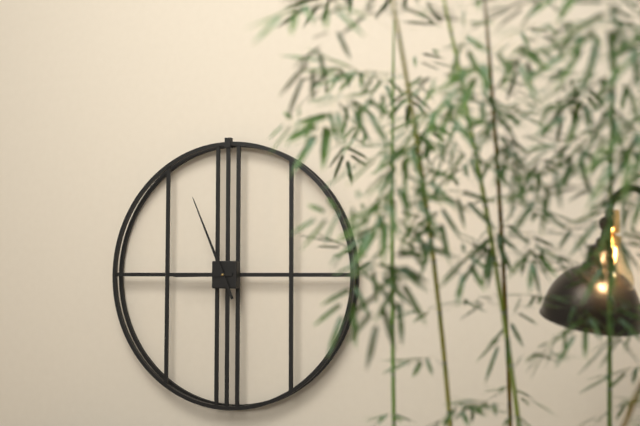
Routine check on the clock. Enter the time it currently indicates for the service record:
8:56
